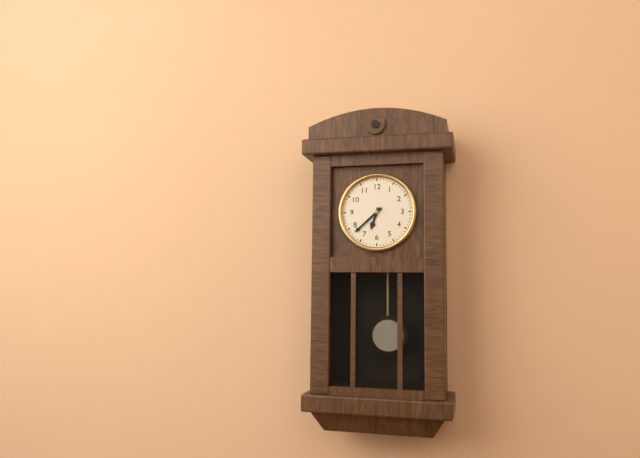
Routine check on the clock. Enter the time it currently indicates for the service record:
6:38
